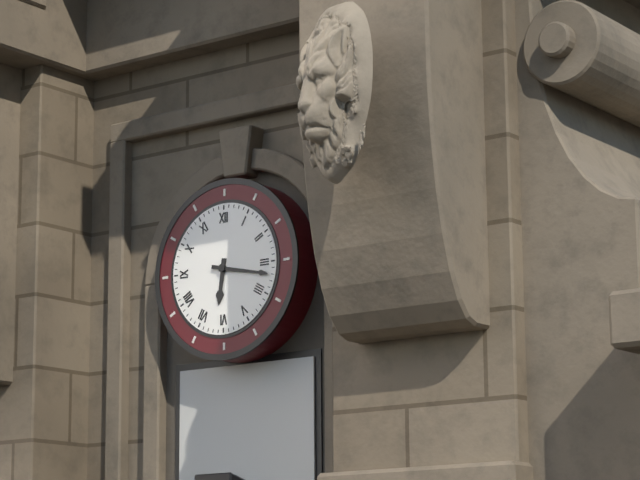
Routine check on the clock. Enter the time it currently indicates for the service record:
6:17
